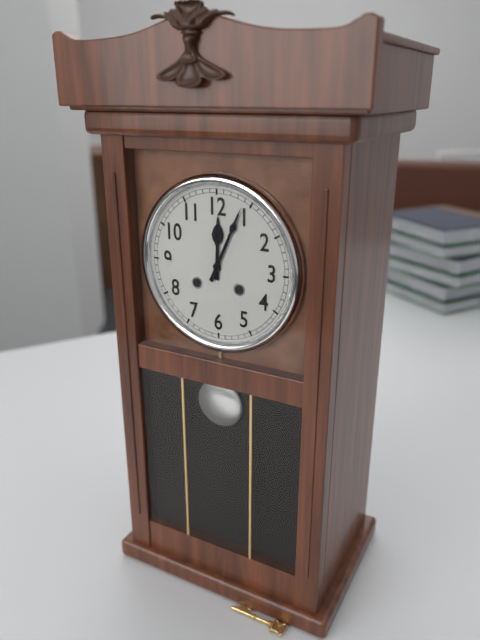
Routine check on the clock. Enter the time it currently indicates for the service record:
12:04
